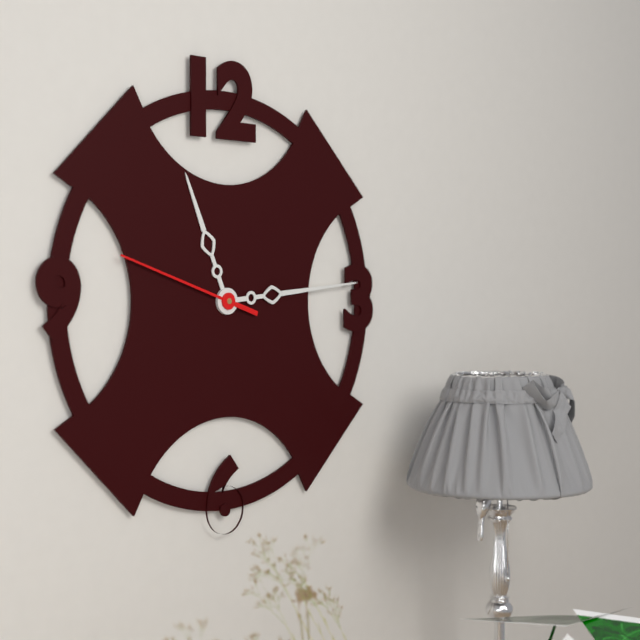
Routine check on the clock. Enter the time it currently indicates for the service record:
11:14:48
